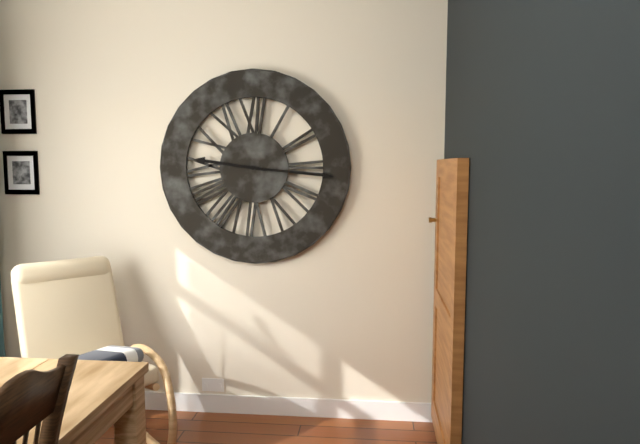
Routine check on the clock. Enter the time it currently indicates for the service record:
9:16
